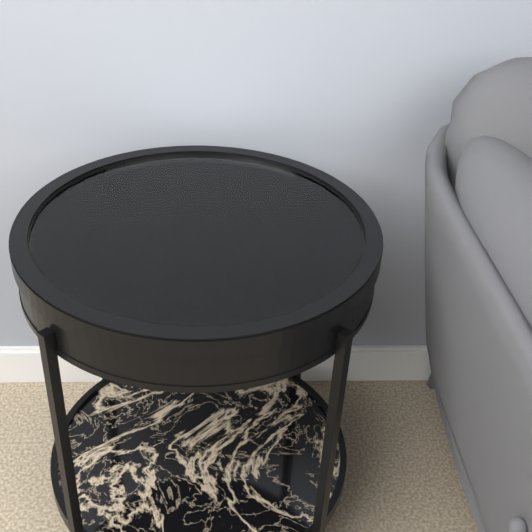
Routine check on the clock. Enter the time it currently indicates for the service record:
4:53
